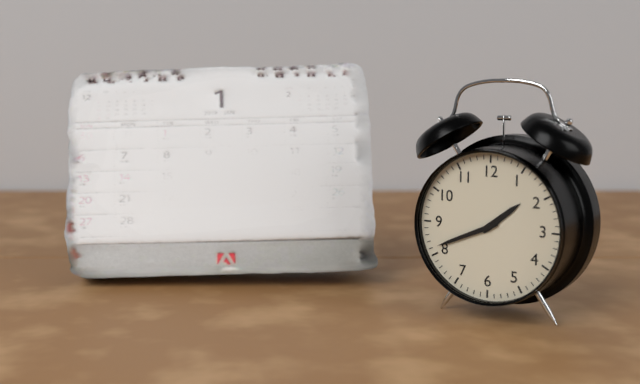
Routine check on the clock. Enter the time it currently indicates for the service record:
1:41
